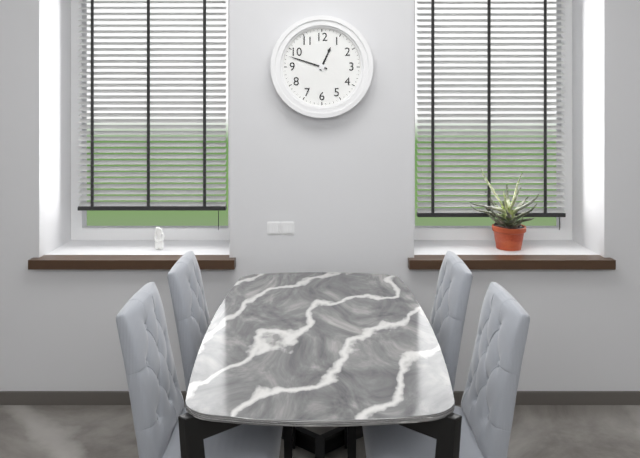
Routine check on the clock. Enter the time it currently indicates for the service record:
12:48
